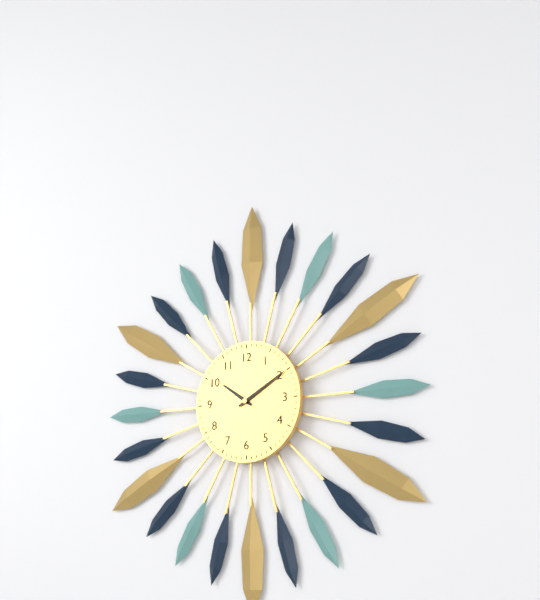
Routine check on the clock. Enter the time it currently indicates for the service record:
10:10
